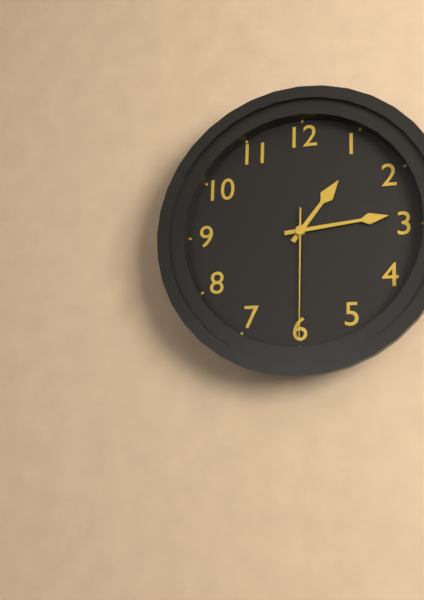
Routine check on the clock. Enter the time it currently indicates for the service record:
1:14:30
